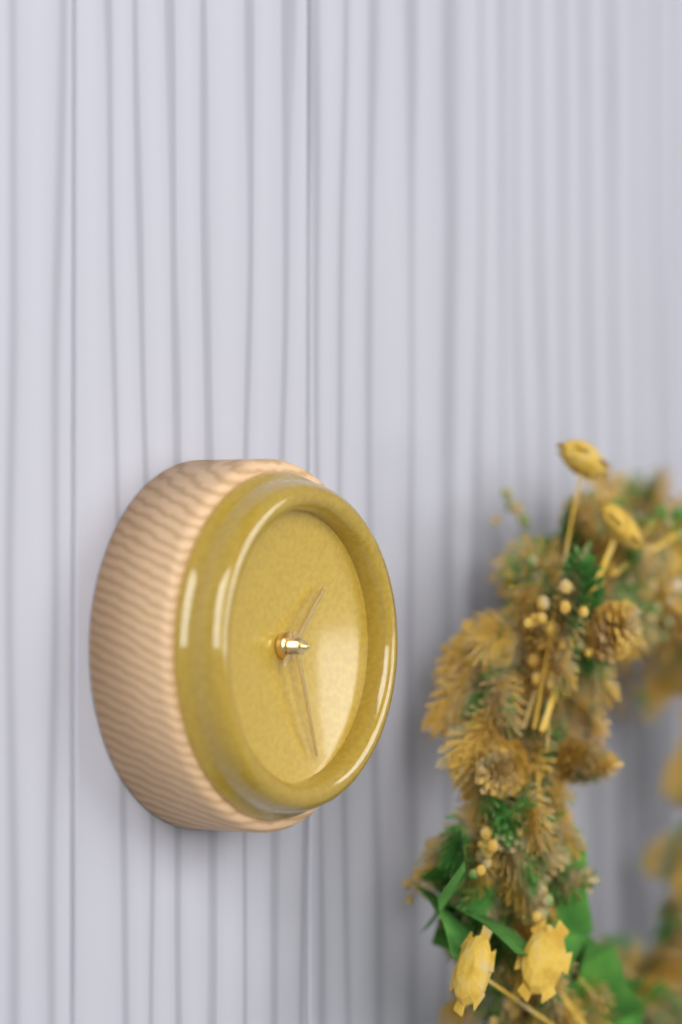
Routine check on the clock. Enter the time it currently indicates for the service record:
1:27
